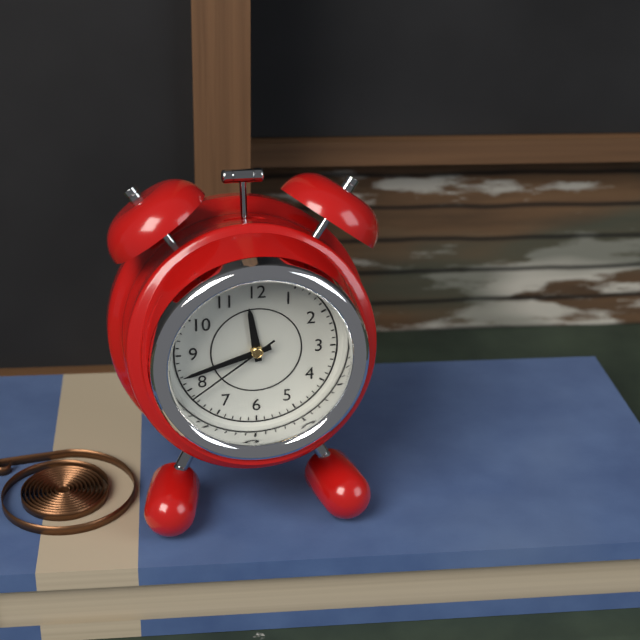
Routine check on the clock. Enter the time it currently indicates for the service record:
11:42:39
